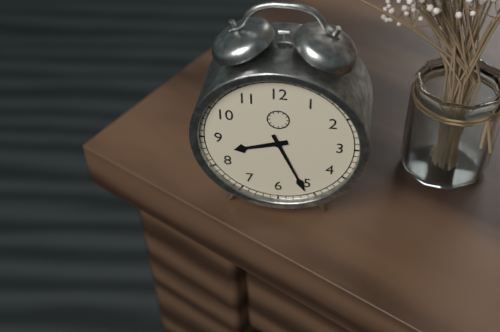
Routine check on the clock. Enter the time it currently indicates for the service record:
8:26
